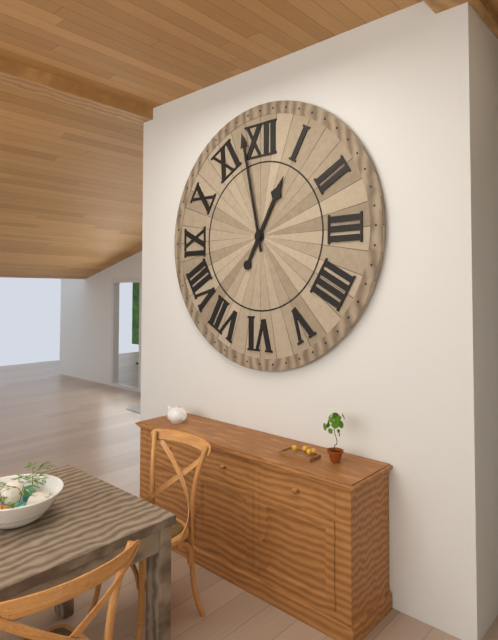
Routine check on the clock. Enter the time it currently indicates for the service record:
12:58
